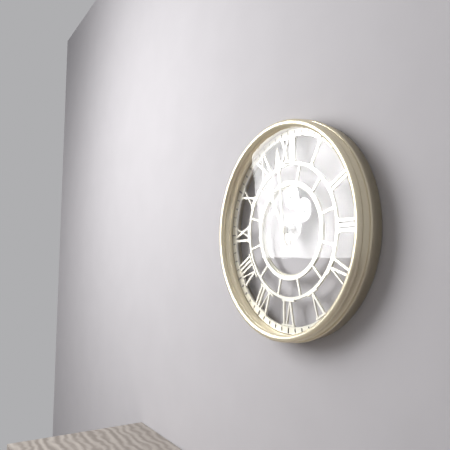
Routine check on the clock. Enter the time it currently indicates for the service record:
10:59
